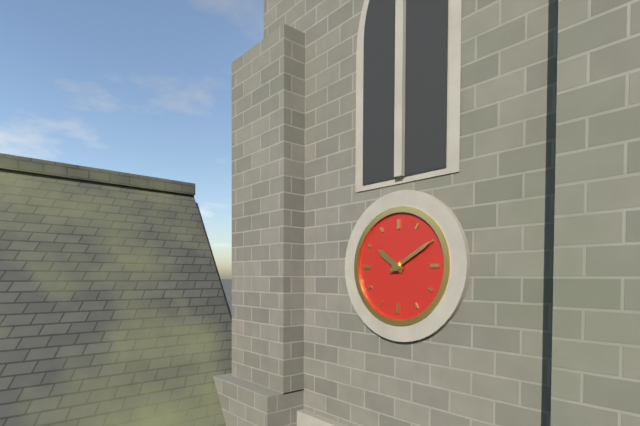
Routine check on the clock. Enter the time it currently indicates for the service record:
10:10
